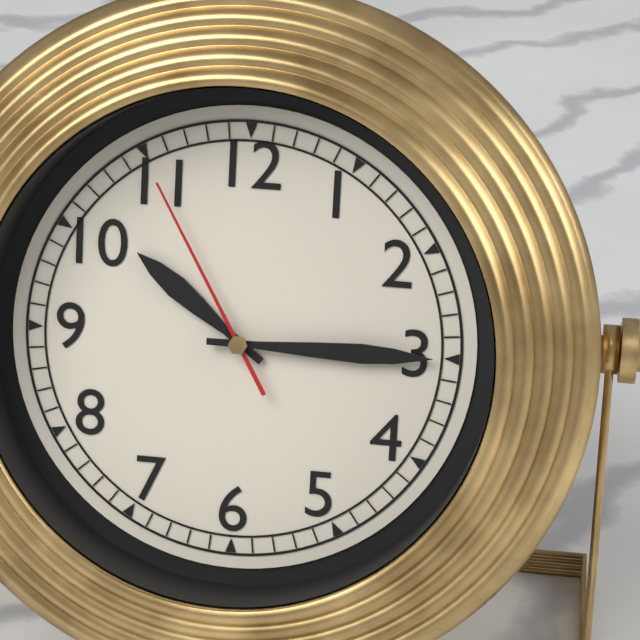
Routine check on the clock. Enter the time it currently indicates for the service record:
10:15:55
